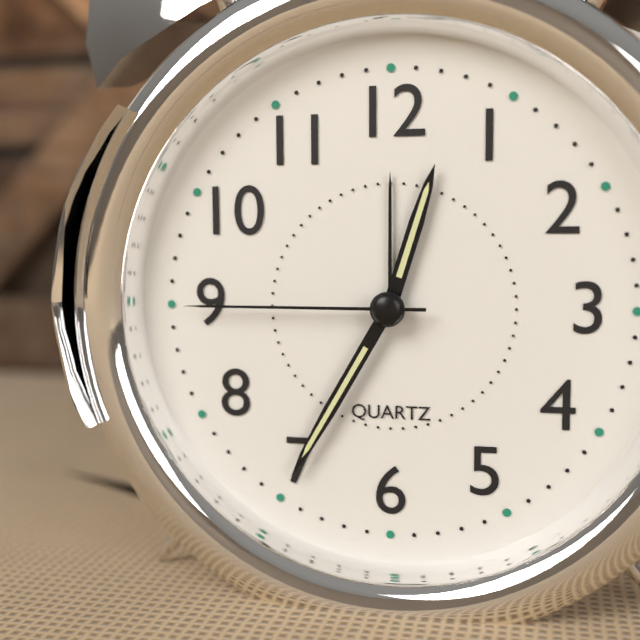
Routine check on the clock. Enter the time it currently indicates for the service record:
12:35:45
